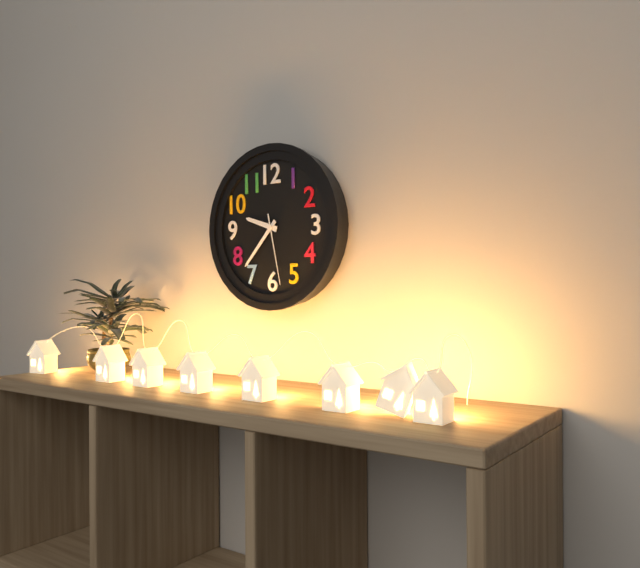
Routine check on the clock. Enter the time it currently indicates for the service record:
9:37:28
